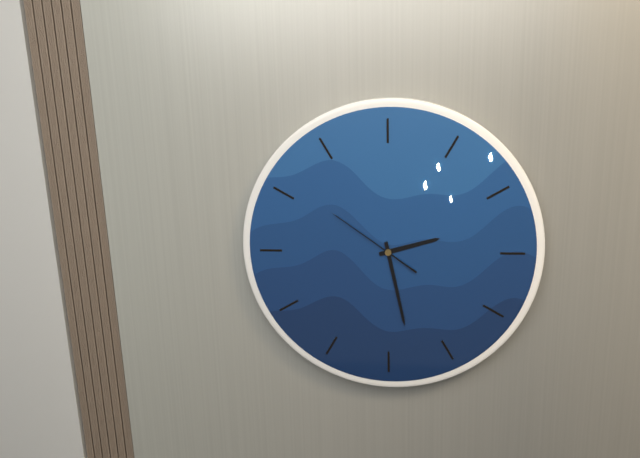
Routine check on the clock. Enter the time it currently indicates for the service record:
2:28:51
